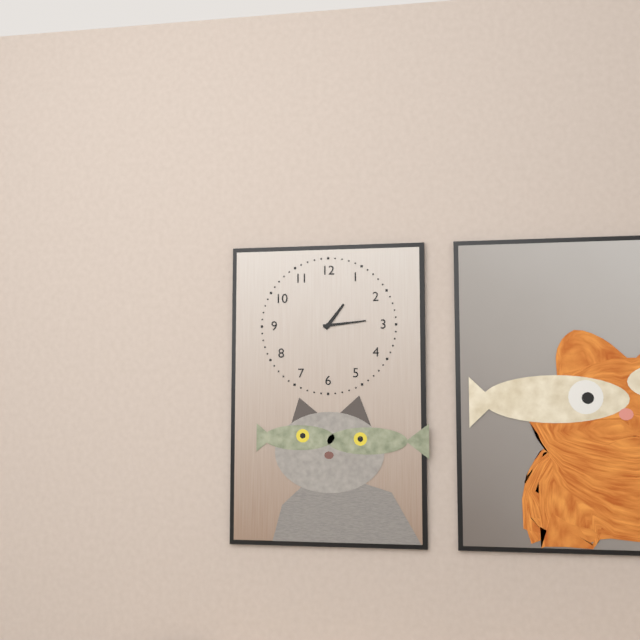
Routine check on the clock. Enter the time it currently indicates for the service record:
1:14
